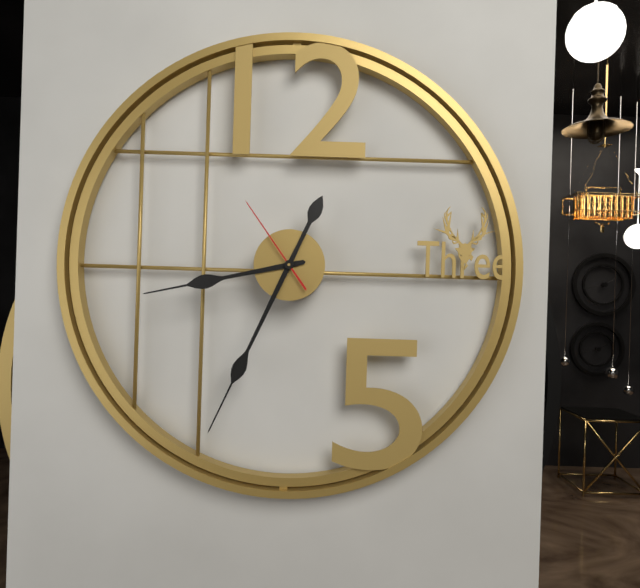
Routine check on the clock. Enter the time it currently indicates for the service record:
8:34:54
